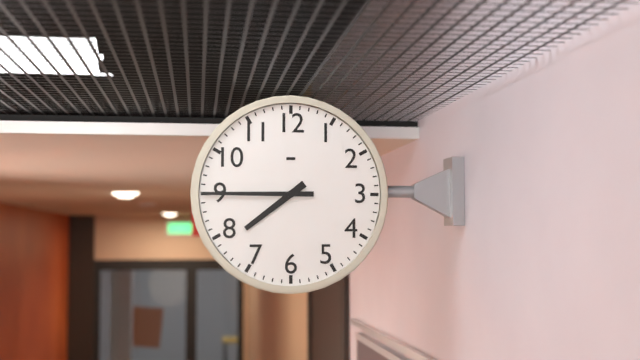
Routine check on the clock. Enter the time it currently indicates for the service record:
7:45
